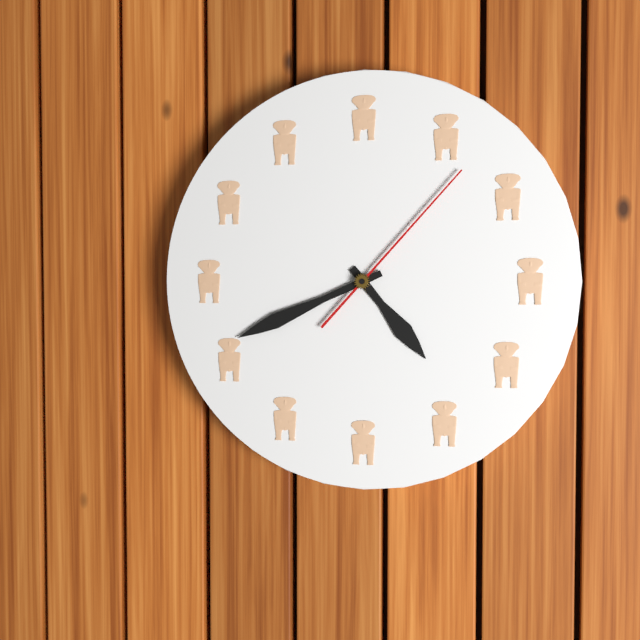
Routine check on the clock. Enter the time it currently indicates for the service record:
4:41:07
